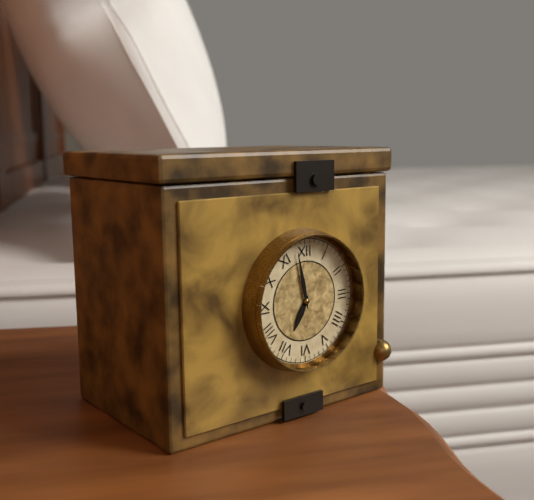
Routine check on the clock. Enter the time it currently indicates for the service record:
6:58
